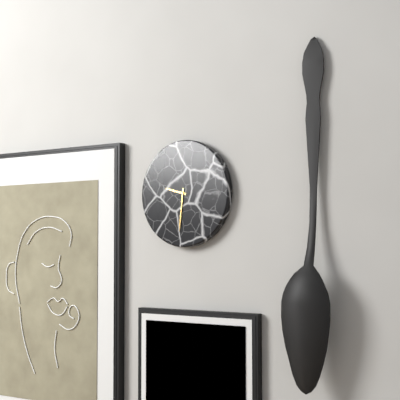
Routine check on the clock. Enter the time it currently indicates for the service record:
9:31
